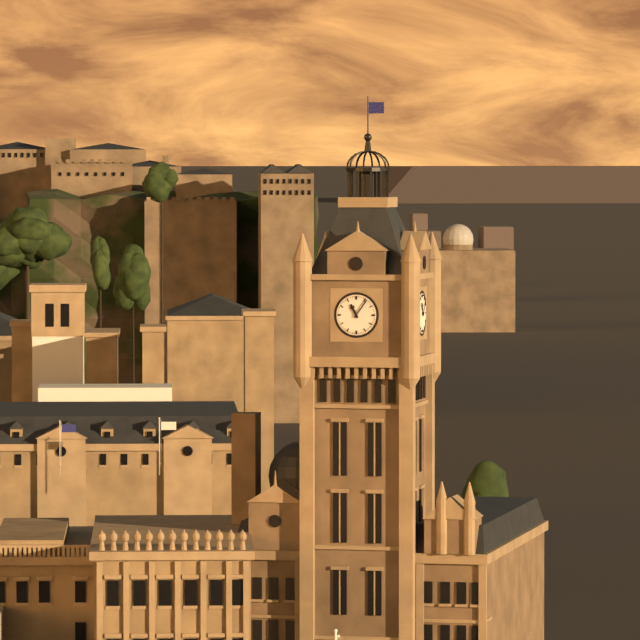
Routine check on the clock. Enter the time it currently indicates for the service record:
11:06
